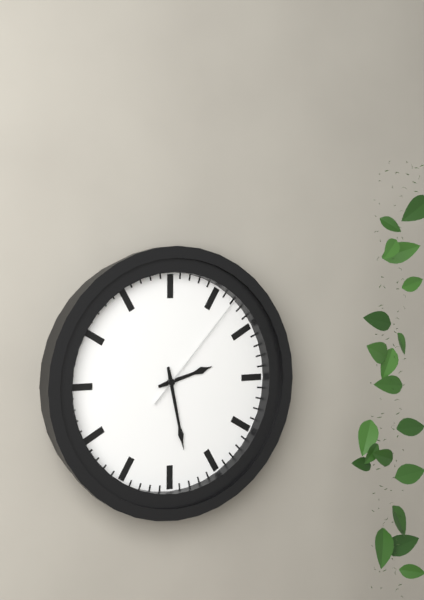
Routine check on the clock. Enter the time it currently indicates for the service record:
2:28:07
